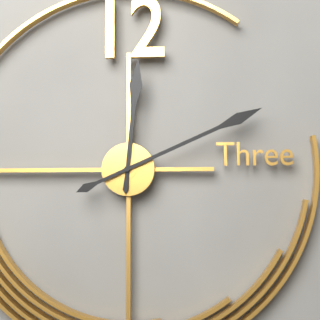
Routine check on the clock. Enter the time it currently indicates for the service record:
12:11
